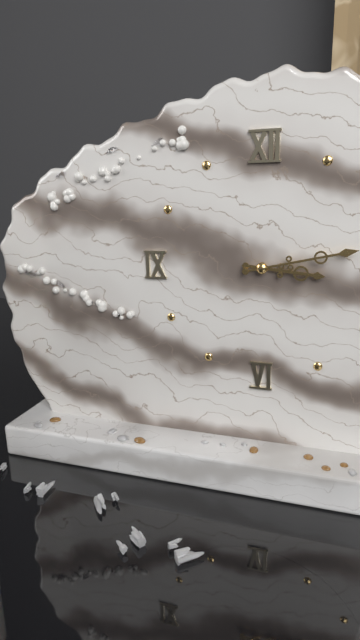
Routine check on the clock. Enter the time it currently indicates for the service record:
3:13
